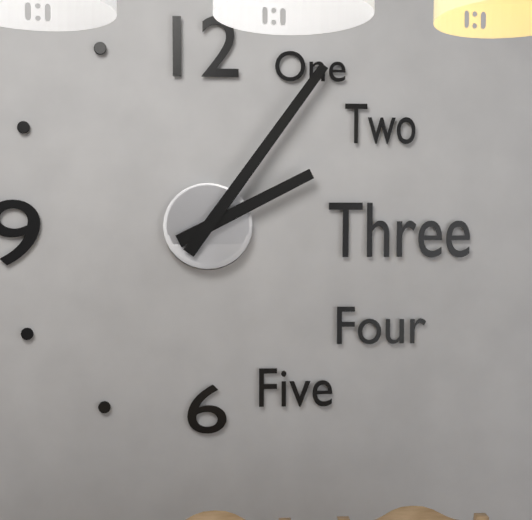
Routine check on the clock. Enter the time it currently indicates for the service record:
2:06
